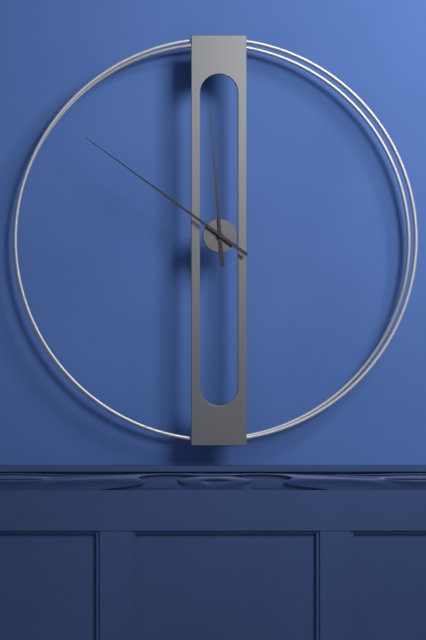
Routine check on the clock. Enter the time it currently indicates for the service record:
11:51
